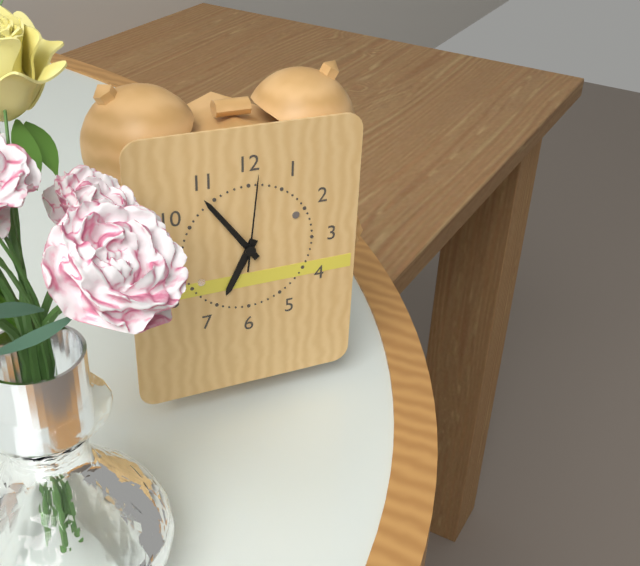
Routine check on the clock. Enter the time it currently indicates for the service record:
6:54:01
